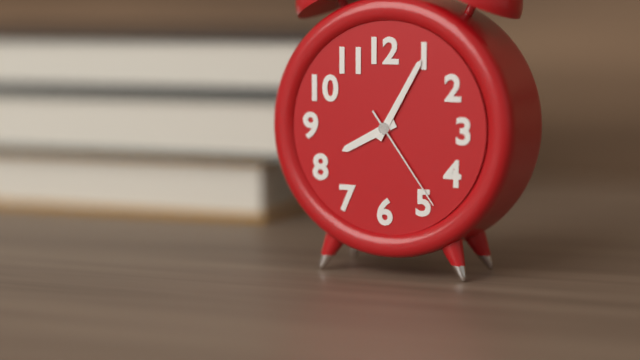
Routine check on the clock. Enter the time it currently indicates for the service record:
8:05:24
